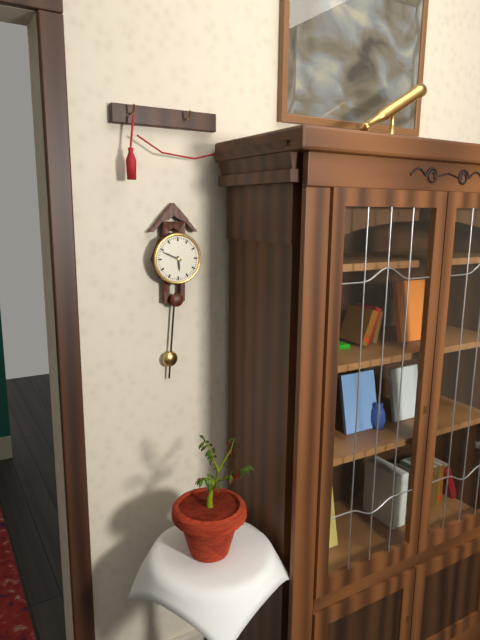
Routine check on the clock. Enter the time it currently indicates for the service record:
5:49
